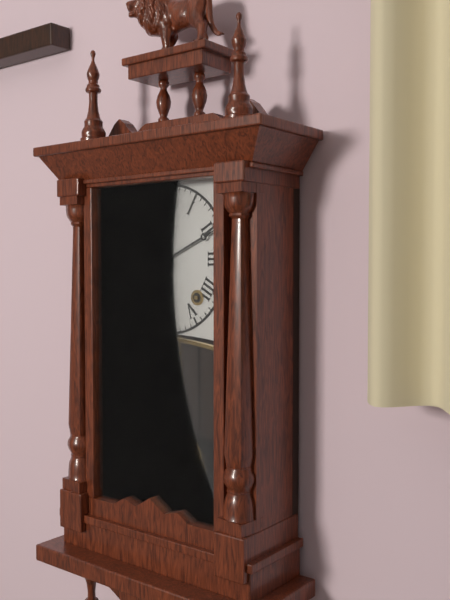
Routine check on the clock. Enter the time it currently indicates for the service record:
11:11
